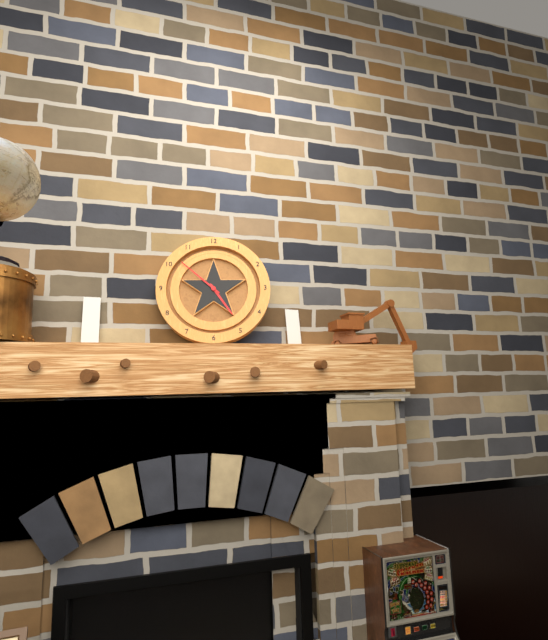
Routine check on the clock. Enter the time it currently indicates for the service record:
4:52
